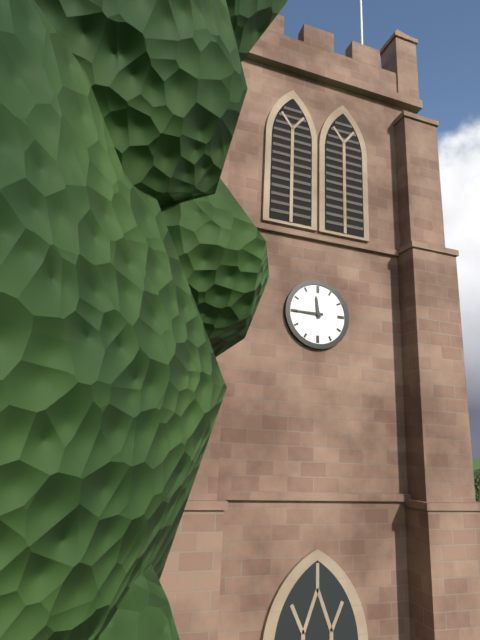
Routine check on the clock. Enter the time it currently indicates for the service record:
11:45
